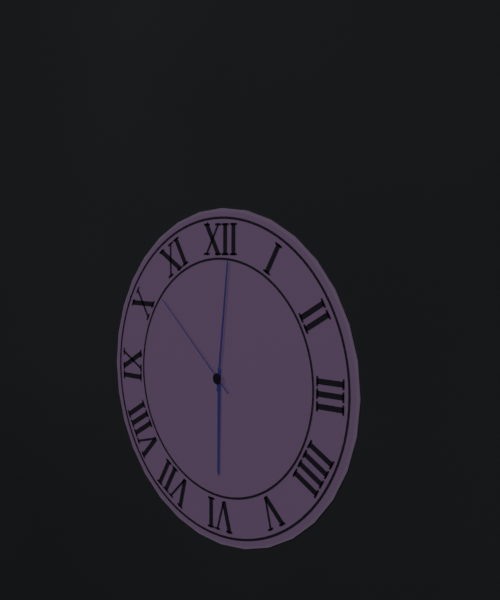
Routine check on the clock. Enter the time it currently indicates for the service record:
6:01:52
